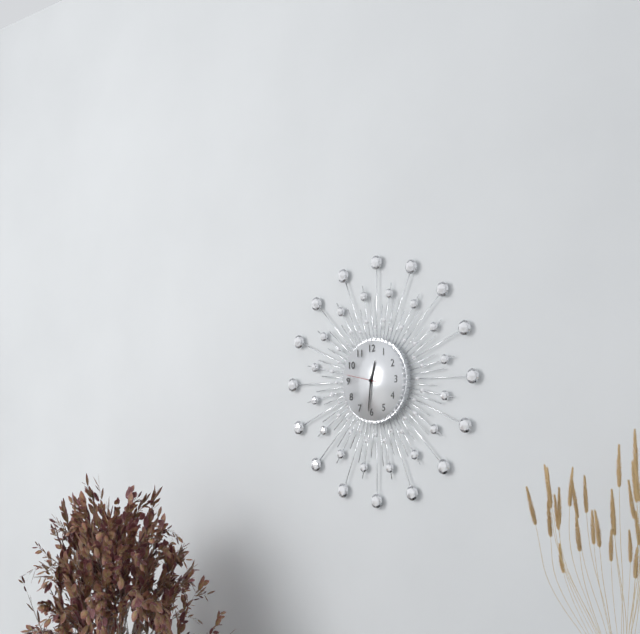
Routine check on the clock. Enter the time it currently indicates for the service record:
12:31
